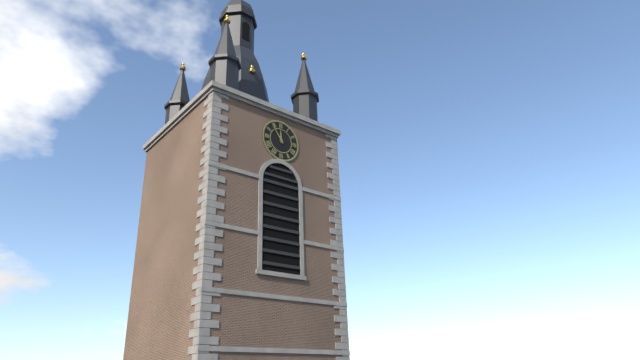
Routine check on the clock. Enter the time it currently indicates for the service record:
11:54
